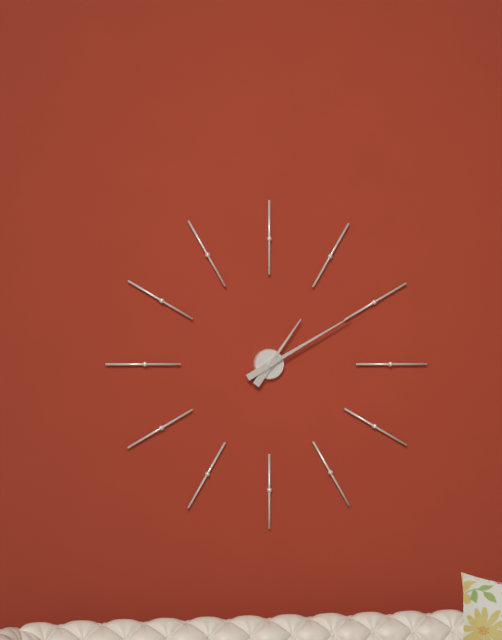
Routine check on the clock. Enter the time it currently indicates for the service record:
1:10
